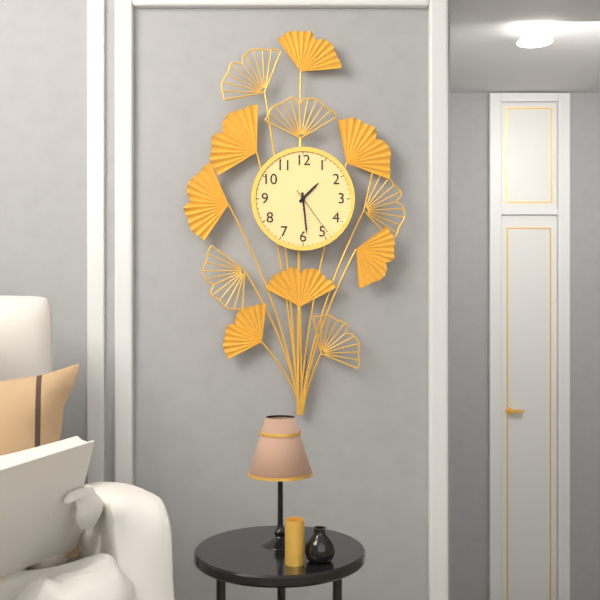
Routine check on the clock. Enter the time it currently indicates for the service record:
1:29:24
